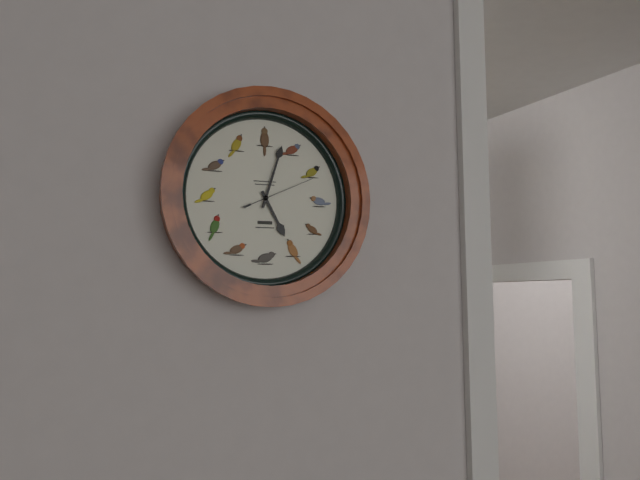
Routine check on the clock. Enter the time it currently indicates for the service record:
5:03:11
